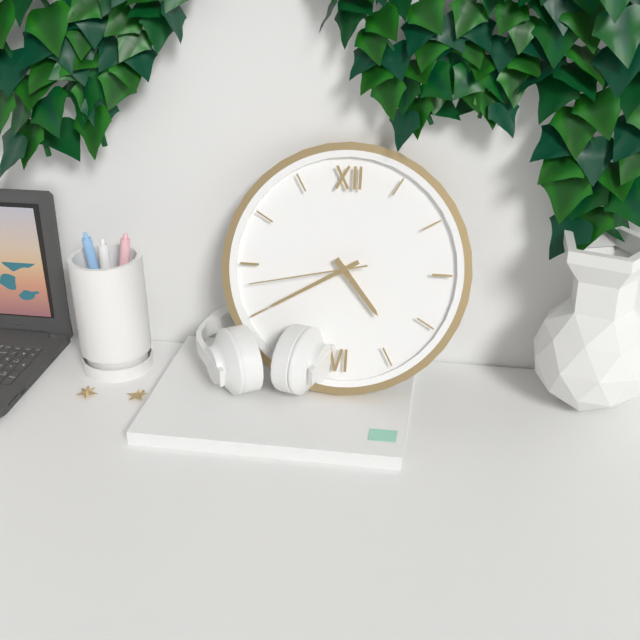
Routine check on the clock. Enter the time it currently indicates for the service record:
4:40:43
